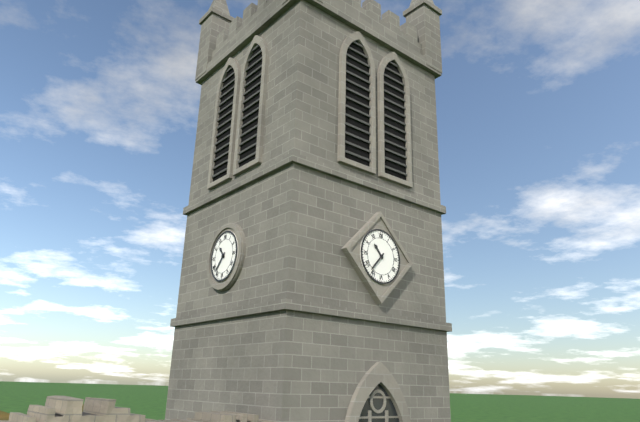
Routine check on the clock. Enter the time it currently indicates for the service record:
10:37
